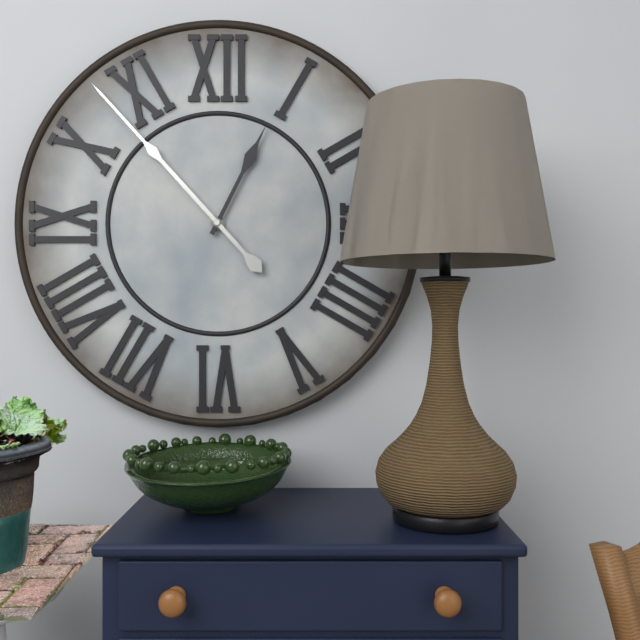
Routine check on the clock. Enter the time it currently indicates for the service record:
12:53
